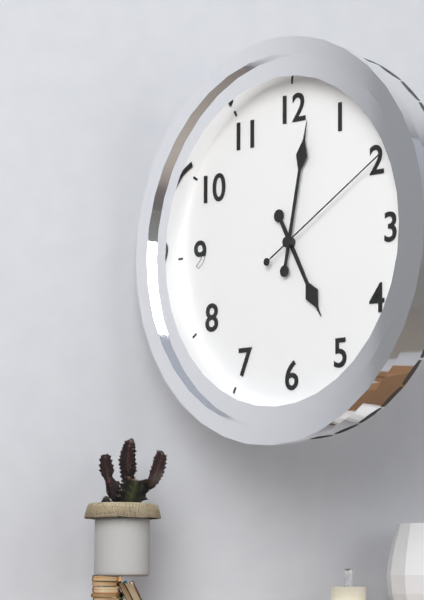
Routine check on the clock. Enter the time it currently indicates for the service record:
5:02:10
